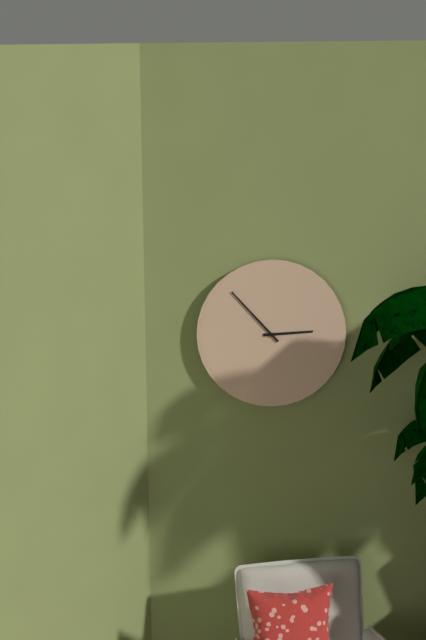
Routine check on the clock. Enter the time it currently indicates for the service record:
2:53
